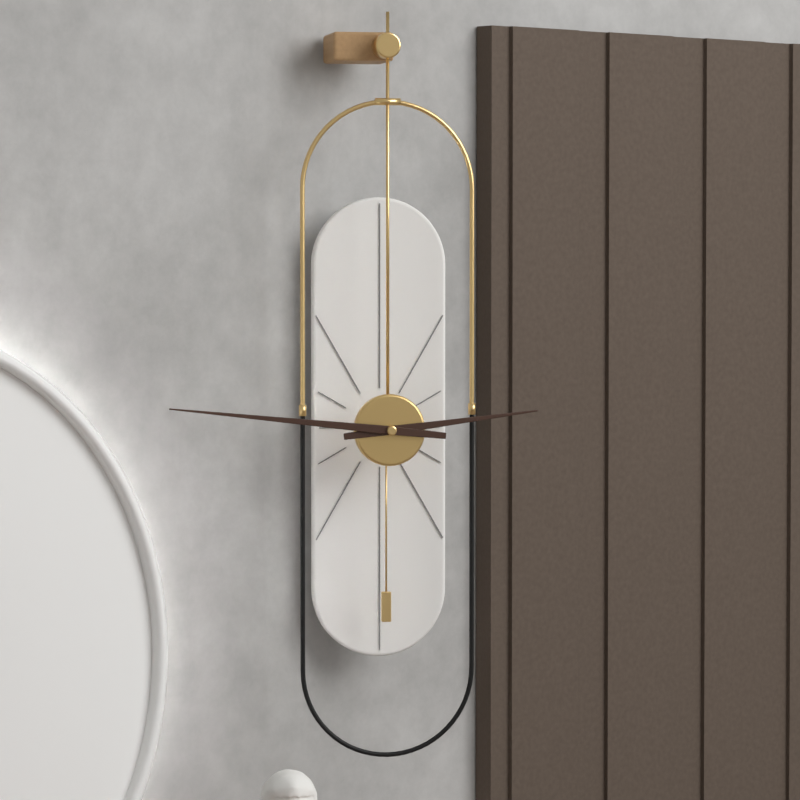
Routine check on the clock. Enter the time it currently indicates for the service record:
2:46
